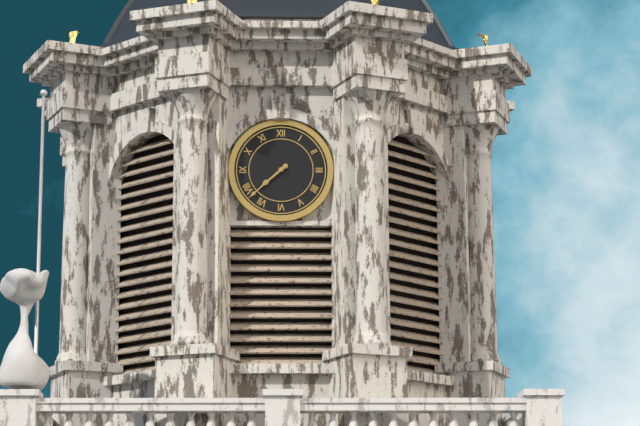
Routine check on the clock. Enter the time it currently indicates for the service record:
7:38
